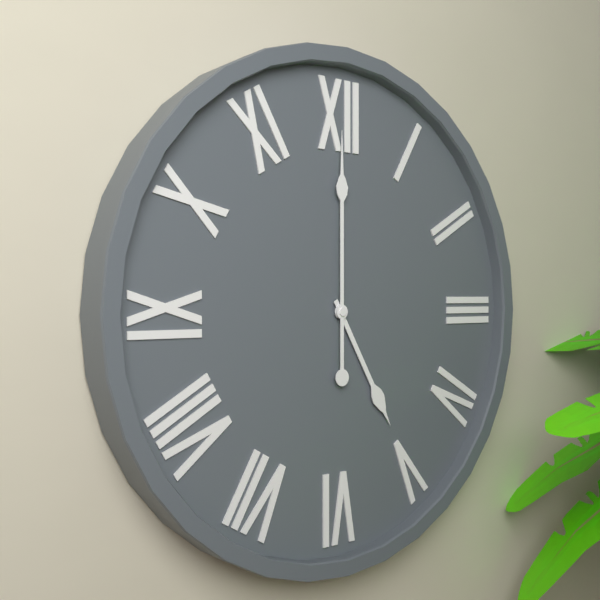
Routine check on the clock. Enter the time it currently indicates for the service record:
5:00
